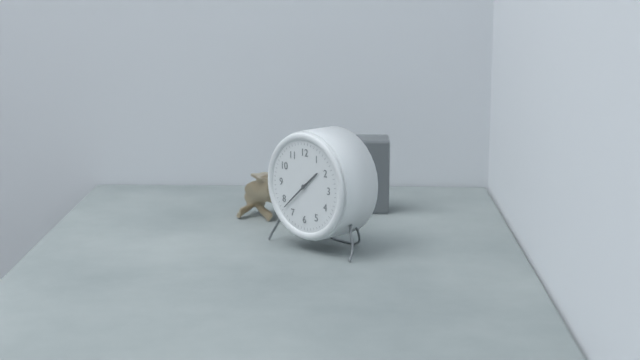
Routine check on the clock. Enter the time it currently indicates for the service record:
1:38
